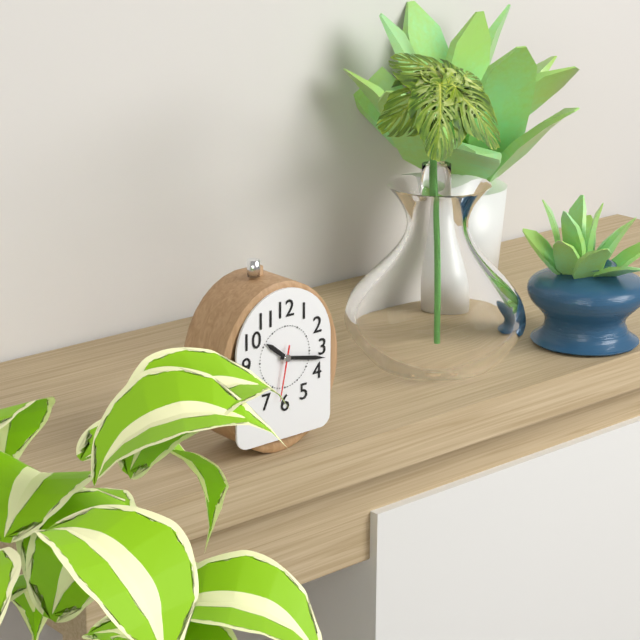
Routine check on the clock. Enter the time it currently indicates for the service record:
10:17:32
